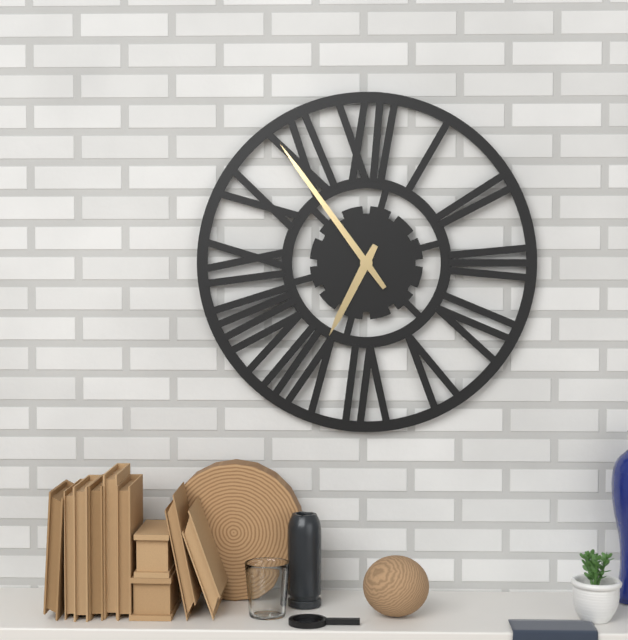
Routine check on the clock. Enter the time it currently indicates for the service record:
6:54
